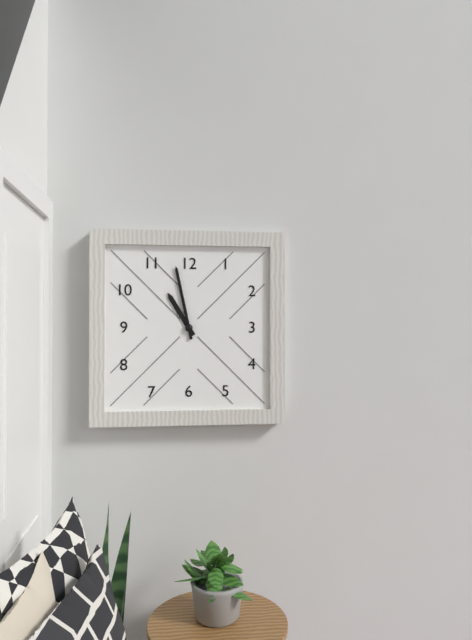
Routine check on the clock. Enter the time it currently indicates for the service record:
10:58
